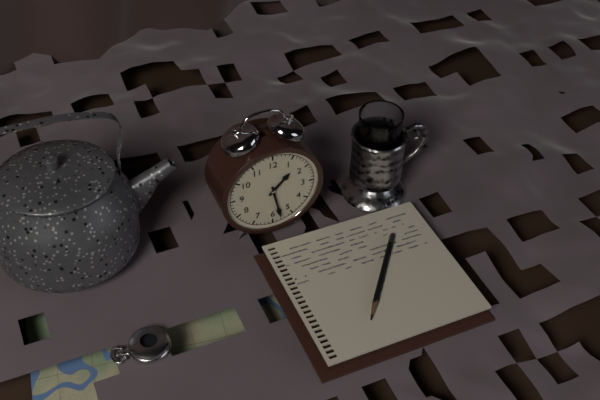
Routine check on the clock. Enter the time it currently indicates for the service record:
1:28
